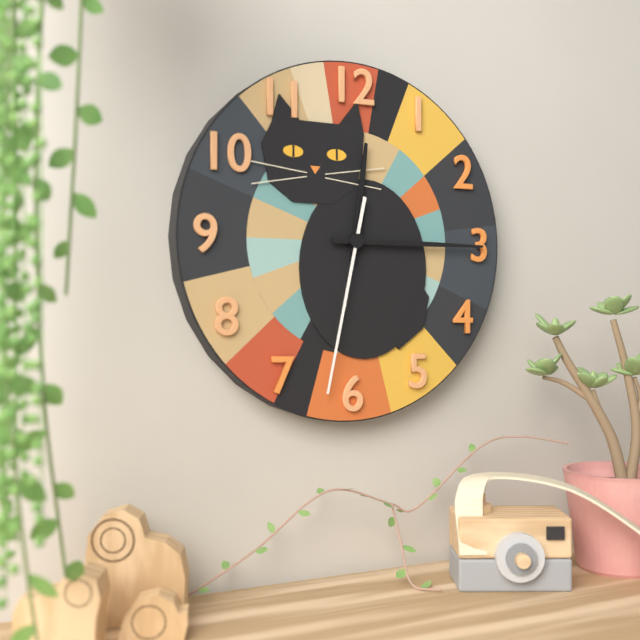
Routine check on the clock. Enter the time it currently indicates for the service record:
12:15:32
